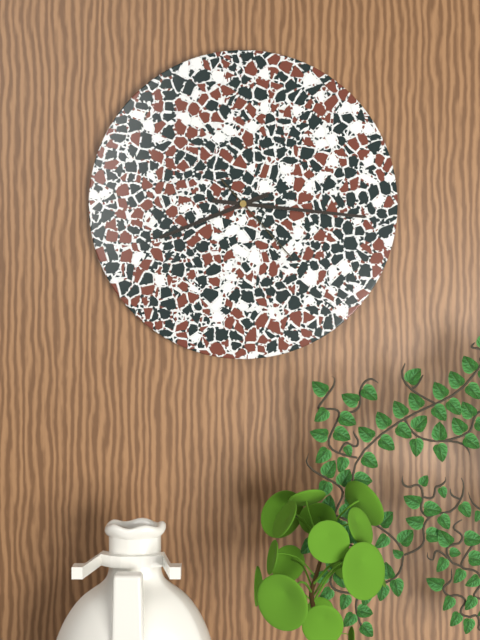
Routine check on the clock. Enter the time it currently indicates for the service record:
8:16:23
